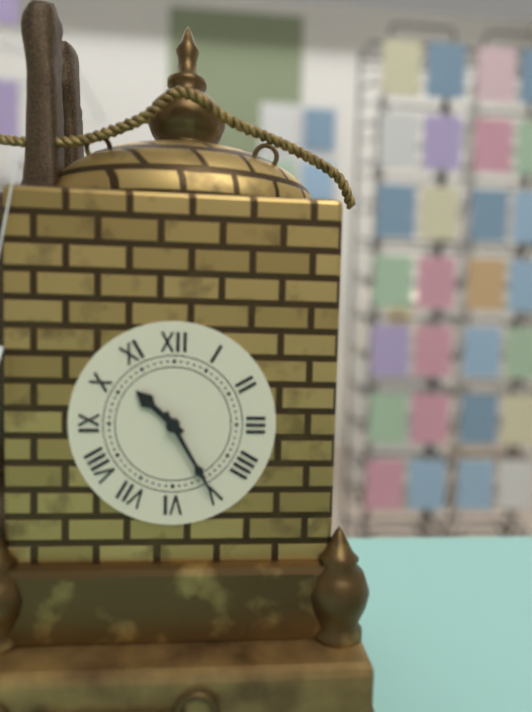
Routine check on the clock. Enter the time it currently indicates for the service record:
10:25
